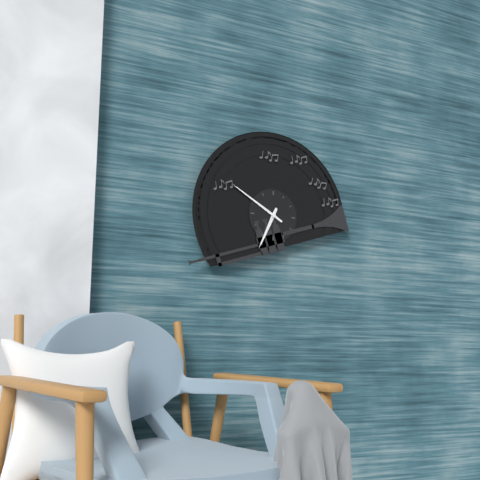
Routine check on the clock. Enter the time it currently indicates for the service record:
6:50
